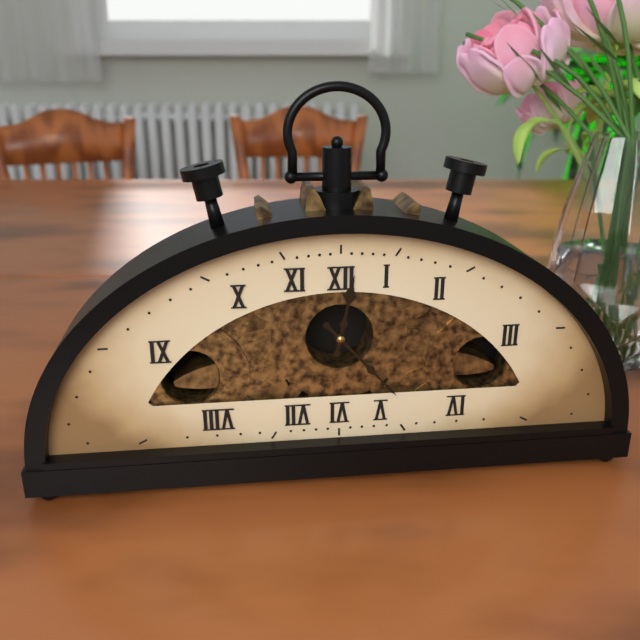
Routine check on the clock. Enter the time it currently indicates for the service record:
12:23
